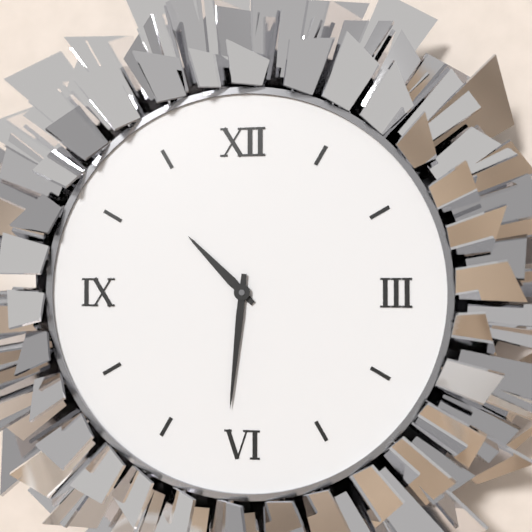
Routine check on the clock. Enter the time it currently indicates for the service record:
10:31
